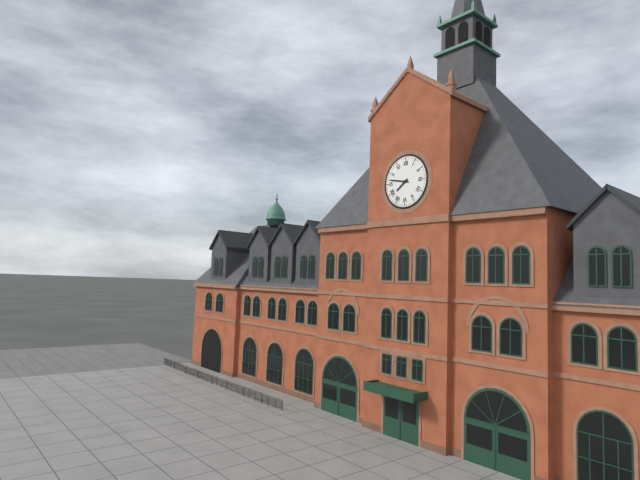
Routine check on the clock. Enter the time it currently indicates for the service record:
7:47
